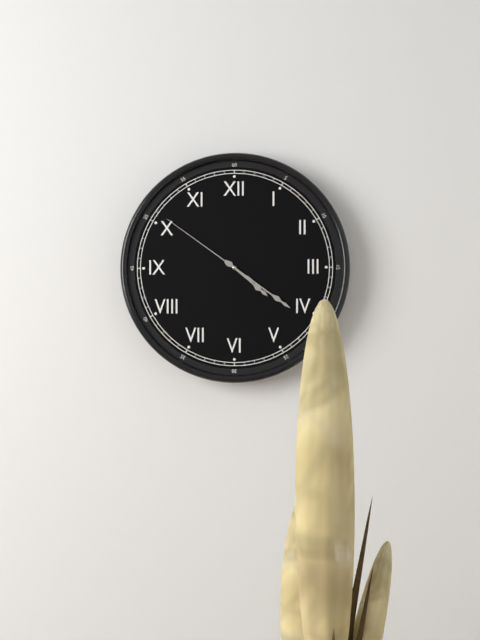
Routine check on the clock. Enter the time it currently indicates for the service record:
4:21:51
